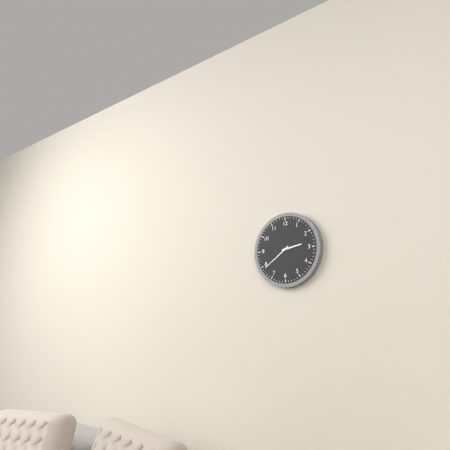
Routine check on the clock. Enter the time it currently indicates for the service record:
2:39
